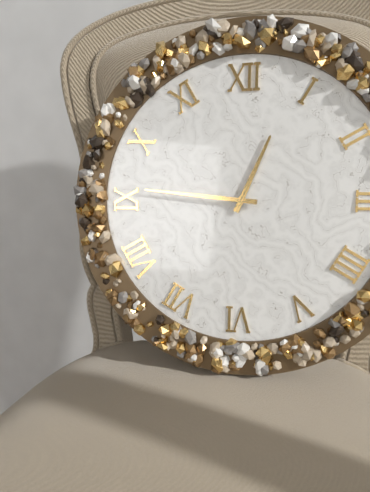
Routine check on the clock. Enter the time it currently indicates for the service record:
12:46
